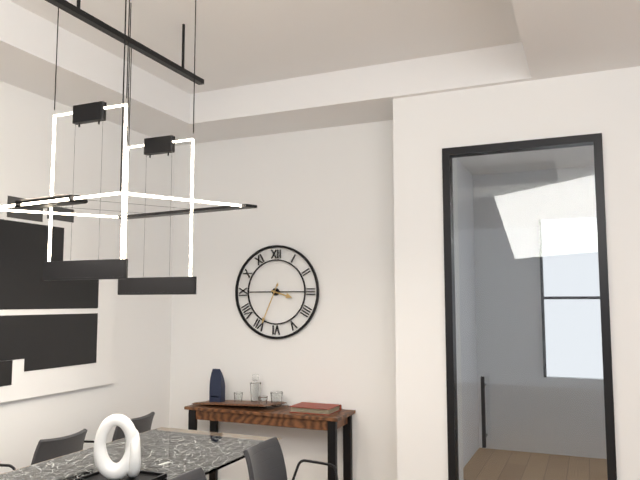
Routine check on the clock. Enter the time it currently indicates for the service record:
3:34
